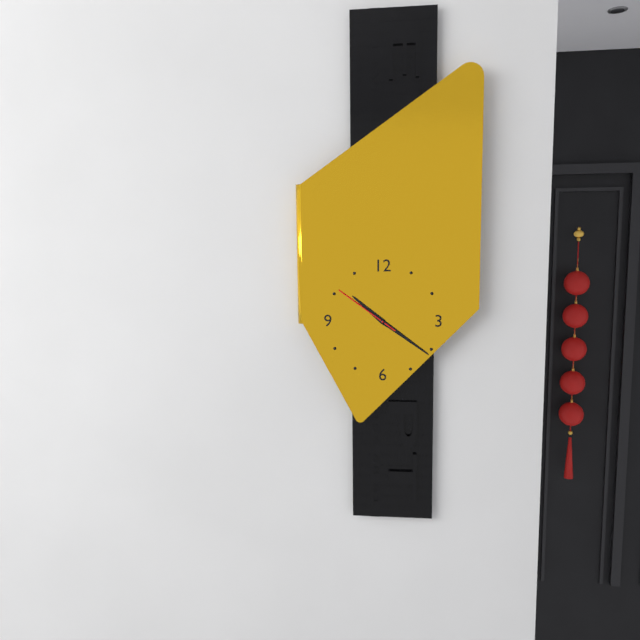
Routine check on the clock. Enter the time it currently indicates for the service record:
10:21:51
